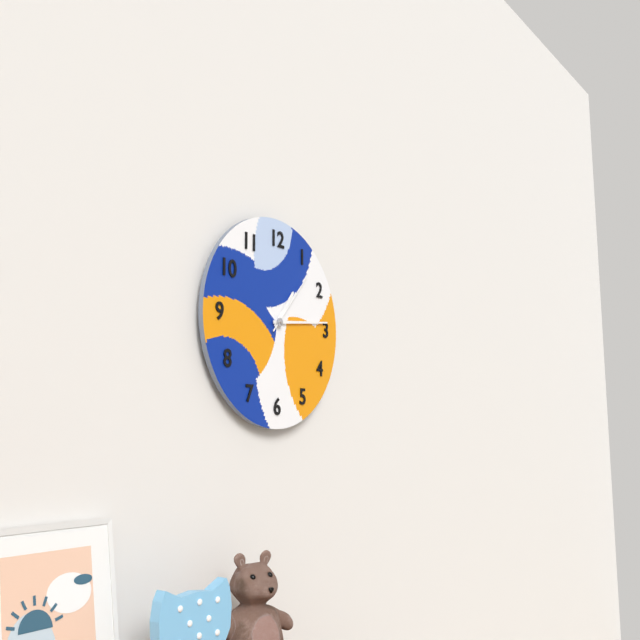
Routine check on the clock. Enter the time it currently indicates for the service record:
1:14:07
